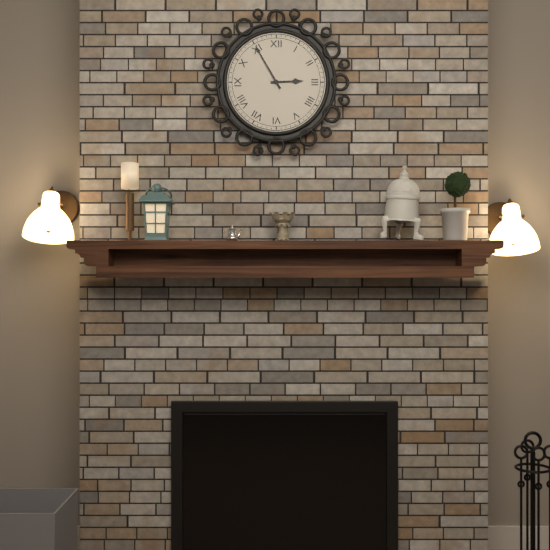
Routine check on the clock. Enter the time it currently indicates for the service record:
2:55
